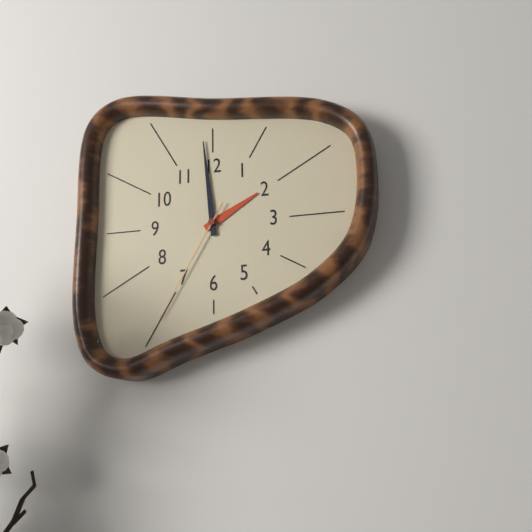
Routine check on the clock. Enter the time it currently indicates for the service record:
1:59:35
